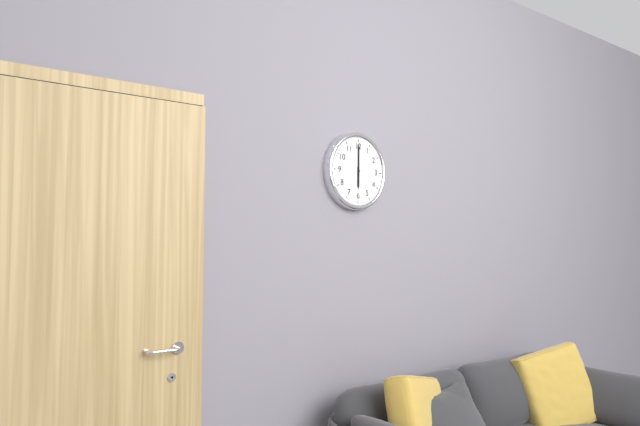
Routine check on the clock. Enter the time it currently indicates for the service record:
6:00
